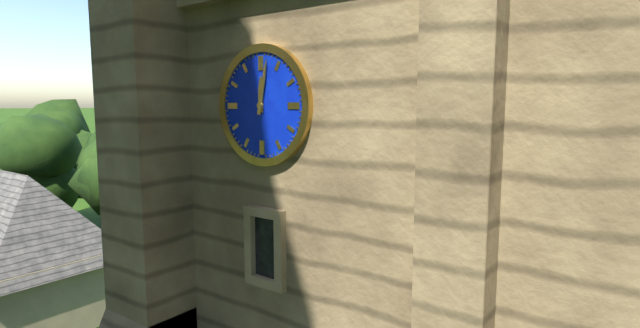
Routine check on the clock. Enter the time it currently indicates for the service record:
12:02
